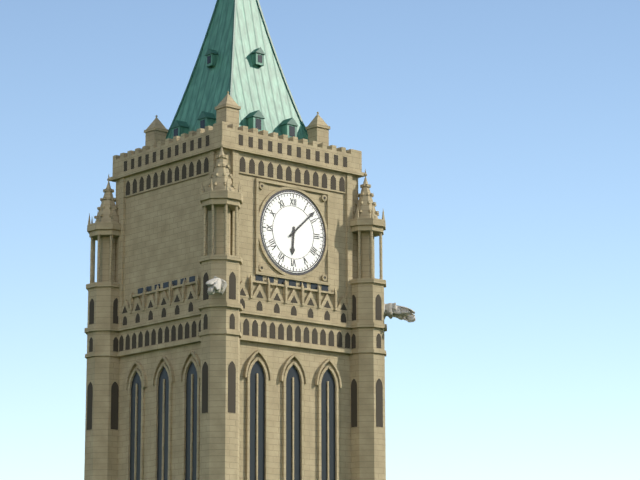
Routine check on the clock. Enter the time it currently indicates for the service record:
6:08
